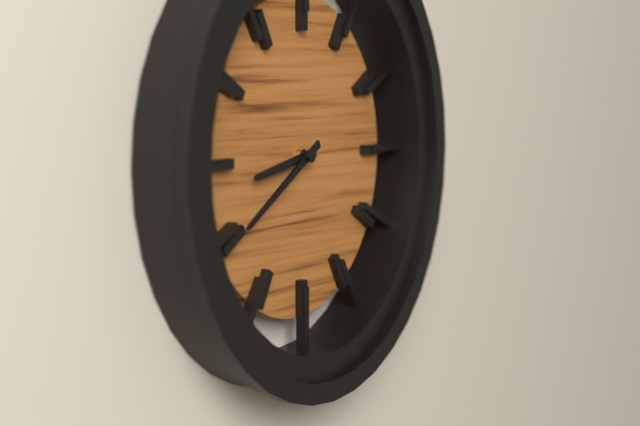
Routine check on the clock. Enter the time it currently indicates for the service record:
8:40
